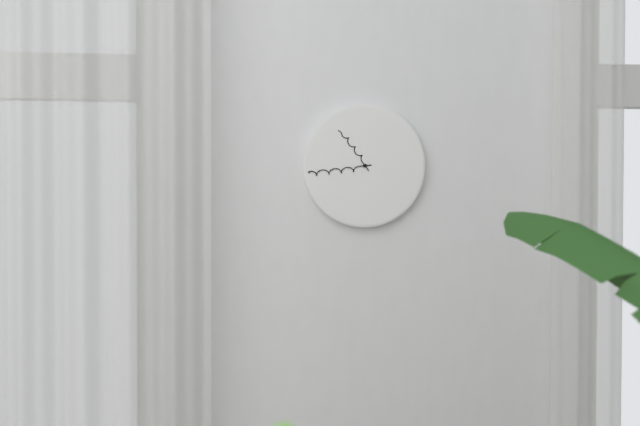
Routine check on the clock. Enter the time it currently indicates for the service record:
10:44
